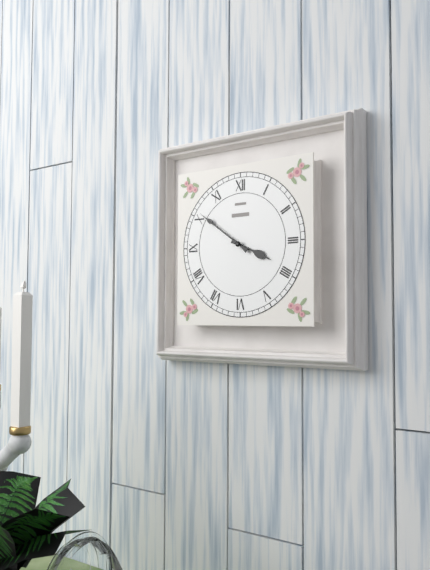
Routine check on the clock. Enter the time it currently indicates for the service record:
3:51
